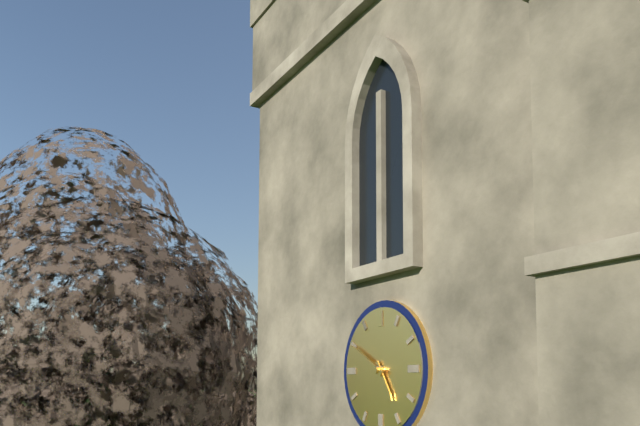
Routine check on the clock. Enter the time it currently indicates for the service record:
4:50
